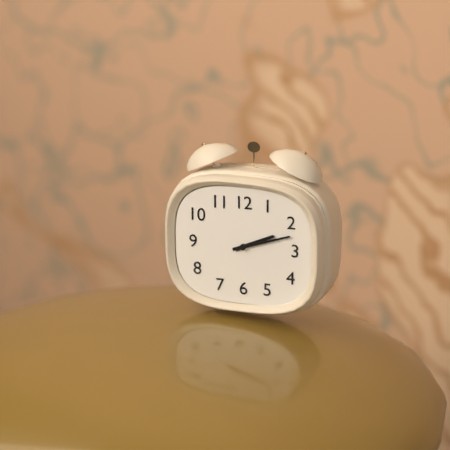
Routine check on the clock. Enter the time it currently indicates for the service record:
2:12
